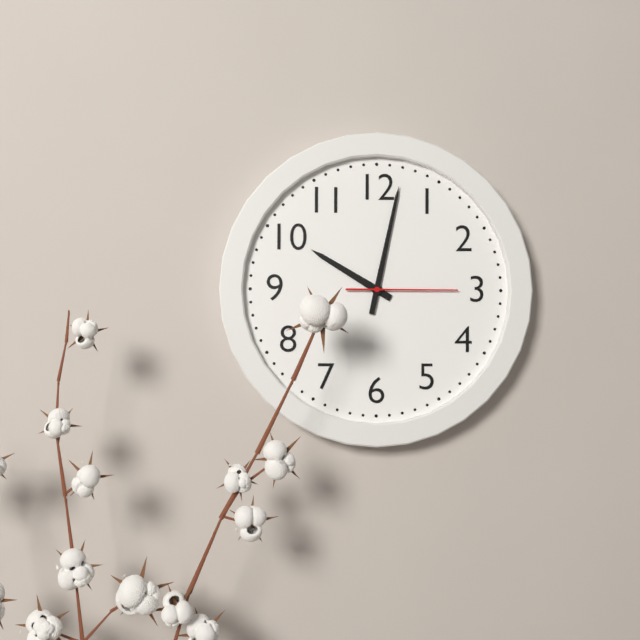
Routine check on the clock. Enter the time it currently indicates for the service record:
10:02:15
